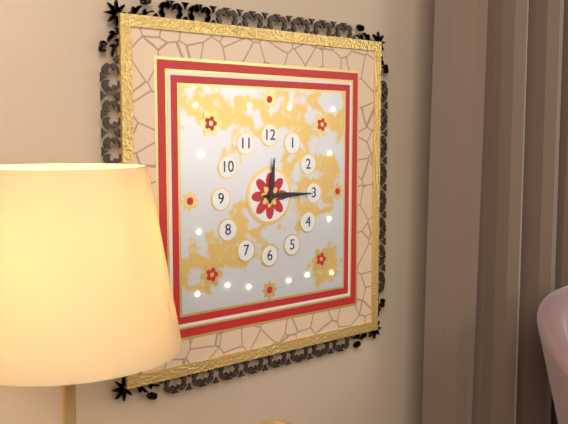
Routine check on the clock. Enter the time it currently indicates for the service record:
12:15
